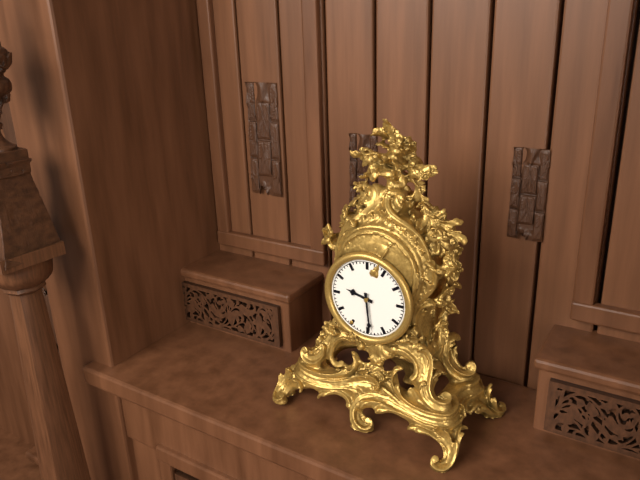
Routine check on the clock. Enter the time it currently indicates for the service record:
9:29
